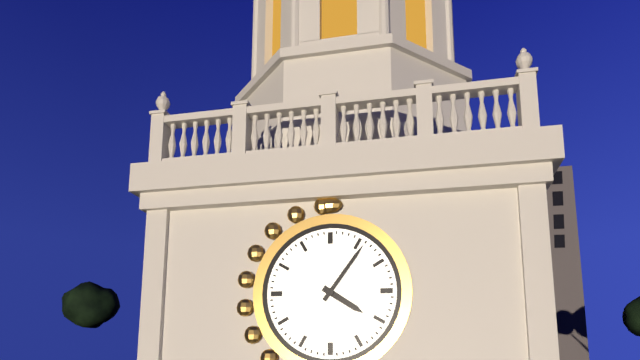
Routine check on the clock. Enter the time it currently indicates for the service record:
4:06
